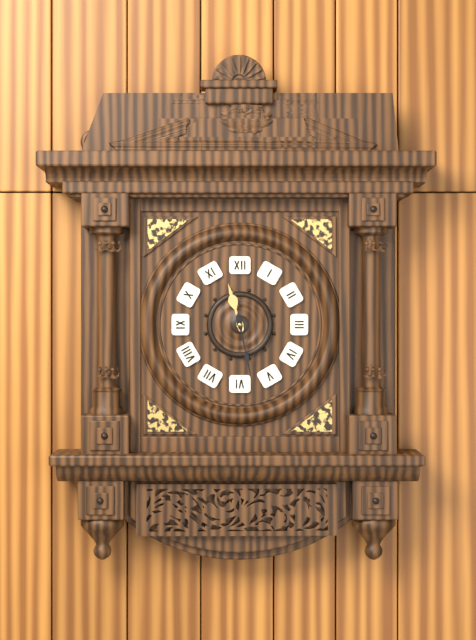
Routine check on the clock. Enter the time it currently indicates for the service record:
11:28
